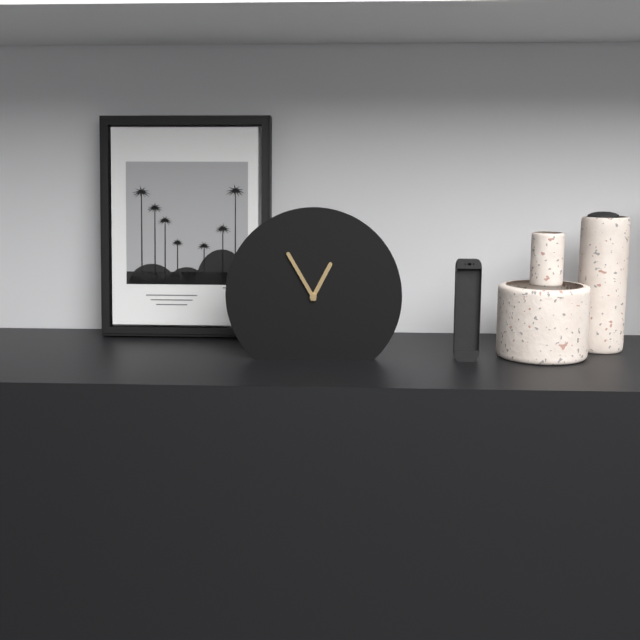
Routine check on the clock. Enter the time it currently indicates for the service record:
12:55
